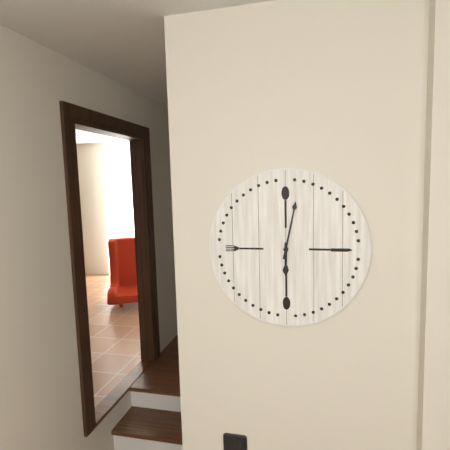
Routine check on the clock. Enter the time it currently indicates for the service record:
6:02
